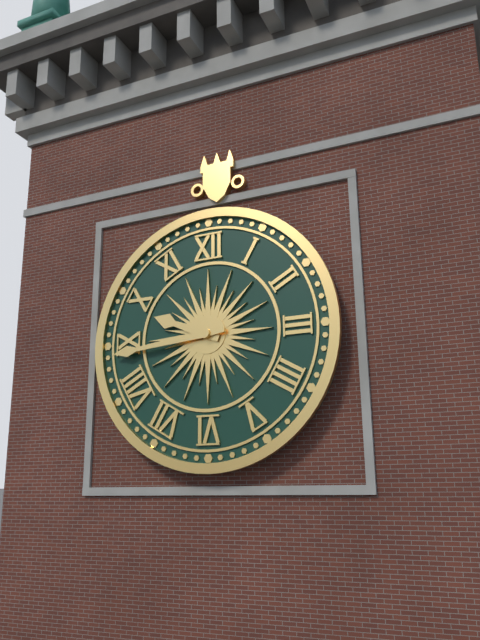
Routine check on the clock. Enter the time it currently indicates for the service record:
9:44
